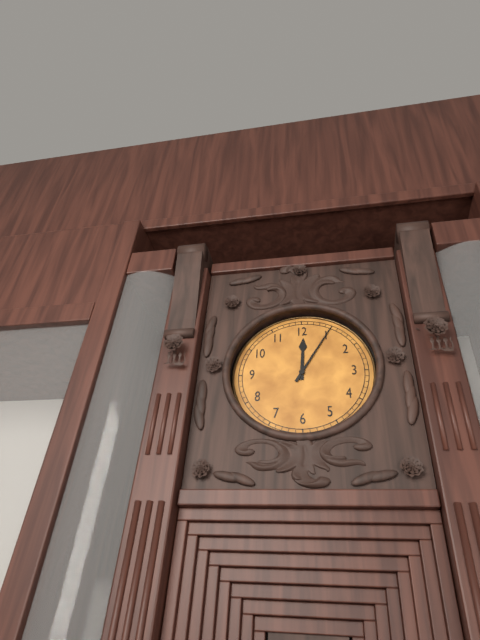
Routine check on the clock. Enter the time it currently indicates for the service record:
12:05
